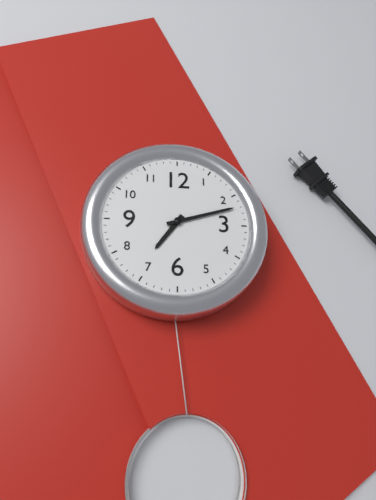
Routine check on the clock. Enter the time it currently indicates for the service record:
7:12
